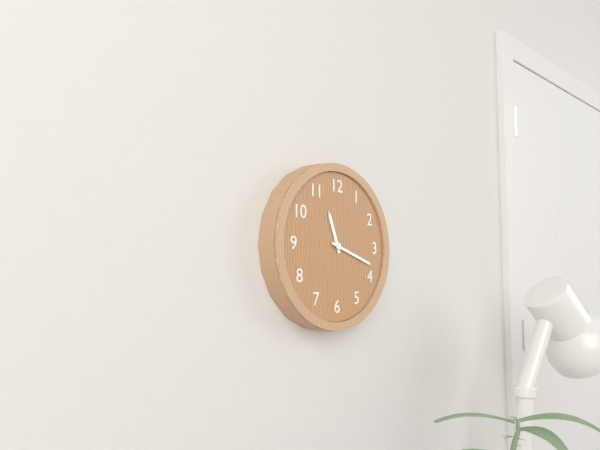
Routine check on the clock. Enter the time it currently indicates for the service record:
11:18
